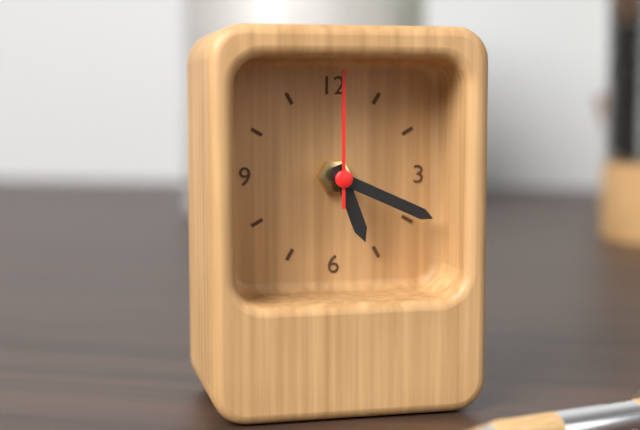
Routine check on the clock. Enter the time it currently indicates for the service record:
5:19:00
